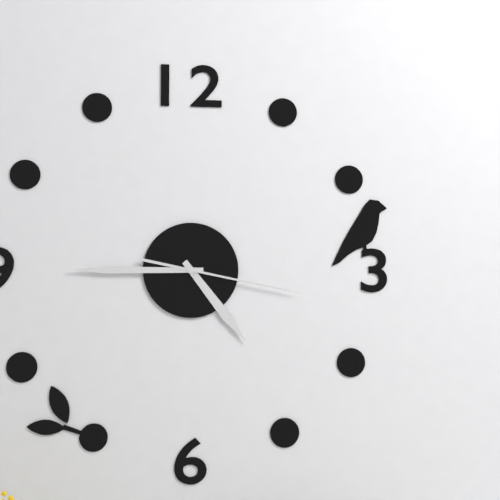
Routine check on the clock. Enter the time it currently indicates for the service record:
4:45:17
